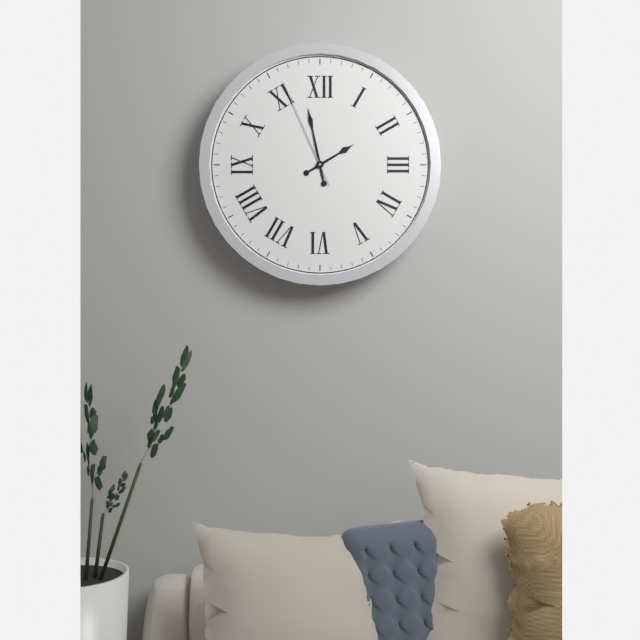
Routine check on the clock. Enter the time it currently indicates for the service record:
1:58:56
